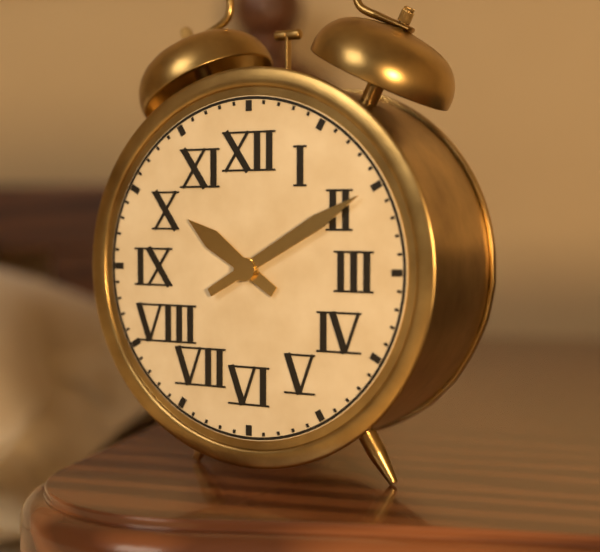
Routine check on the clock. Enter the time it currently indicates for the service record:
10:10
